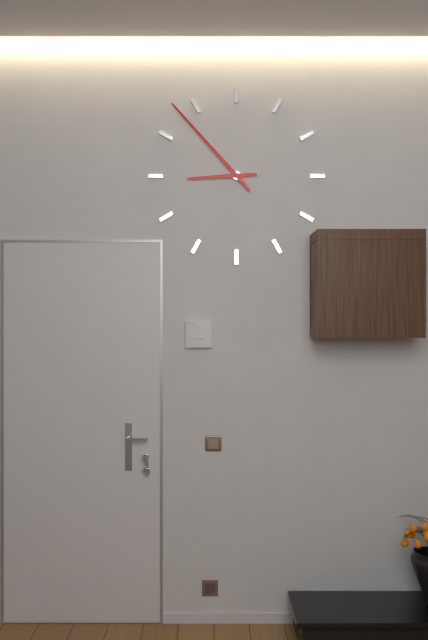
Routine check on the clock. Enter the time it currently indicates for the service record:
8:53
